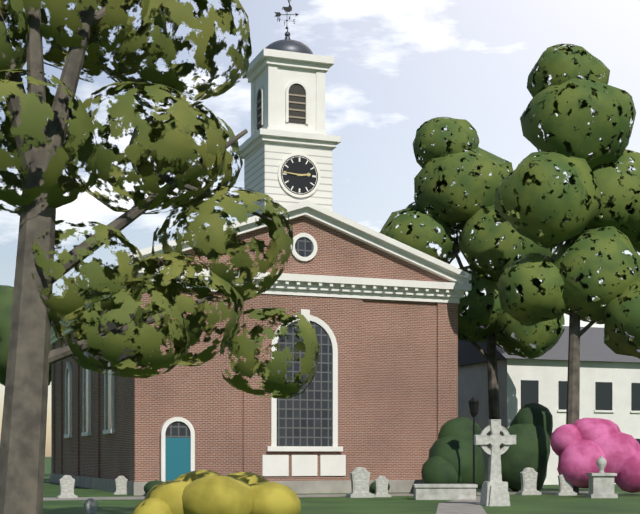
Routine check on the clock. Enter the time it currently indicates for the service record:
2:46
